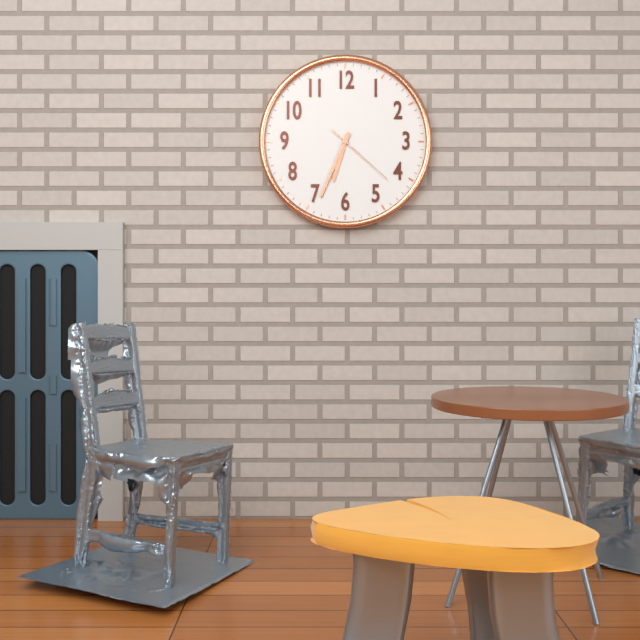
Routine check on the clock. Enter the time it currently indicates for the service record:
6:34:22
